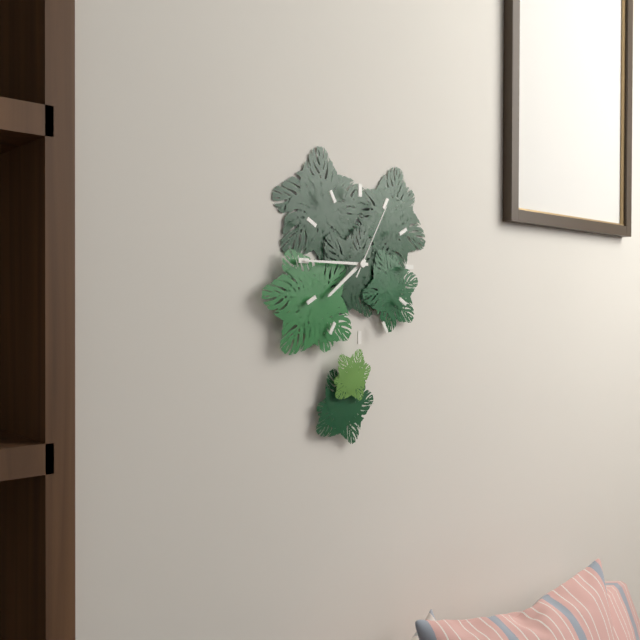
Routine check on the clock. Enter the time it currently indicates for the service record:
7:45:05
